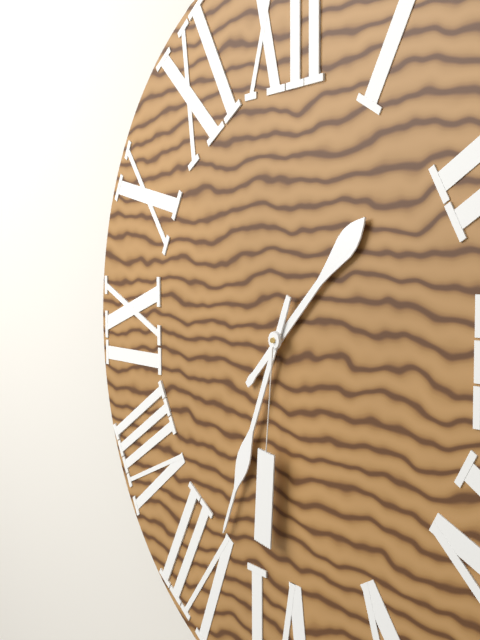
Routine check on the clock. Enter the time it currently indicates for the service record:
1:34
